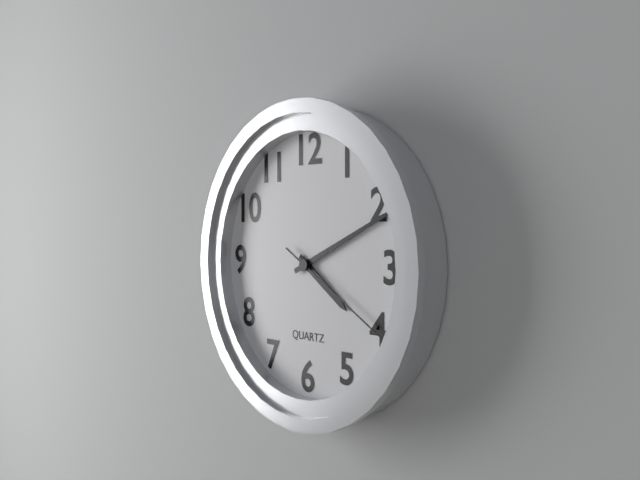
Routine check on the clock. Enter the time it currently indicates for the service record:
4:11:20
